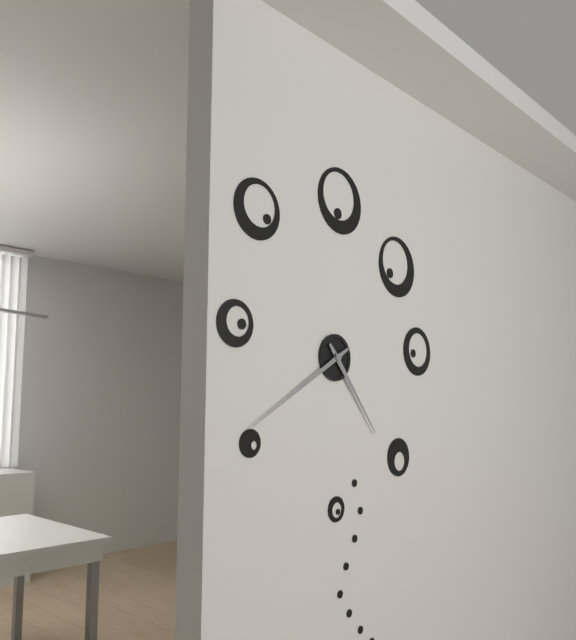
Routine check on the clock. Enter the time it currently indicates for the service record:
4:40
